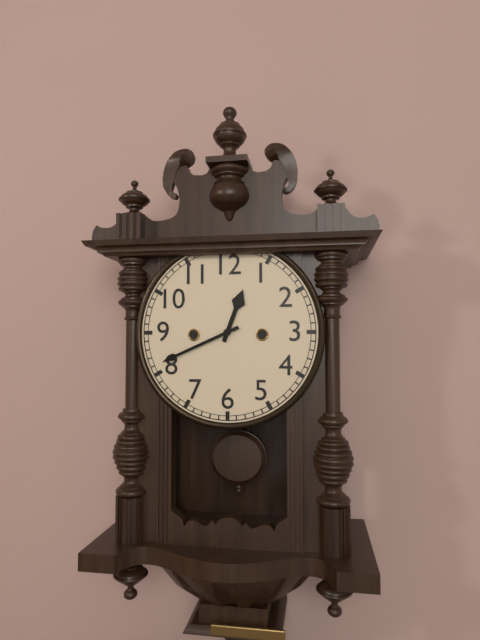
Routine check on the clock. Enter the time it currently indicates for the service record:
12:41
